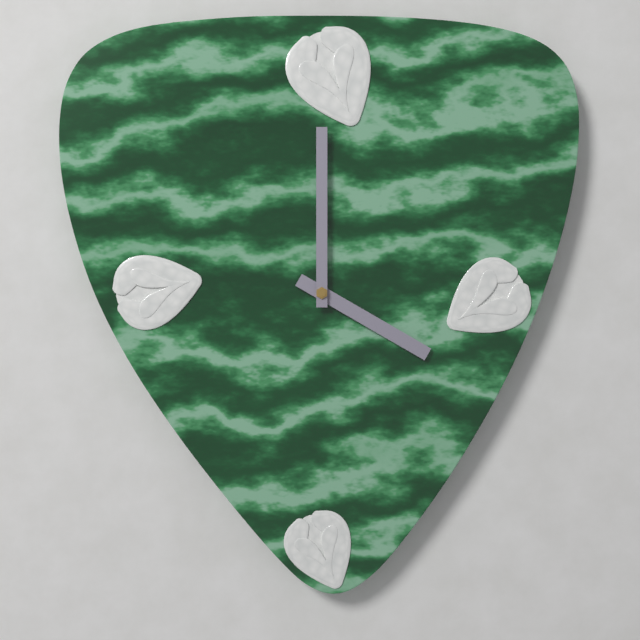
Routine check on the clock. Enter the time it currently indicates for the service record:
4:00
